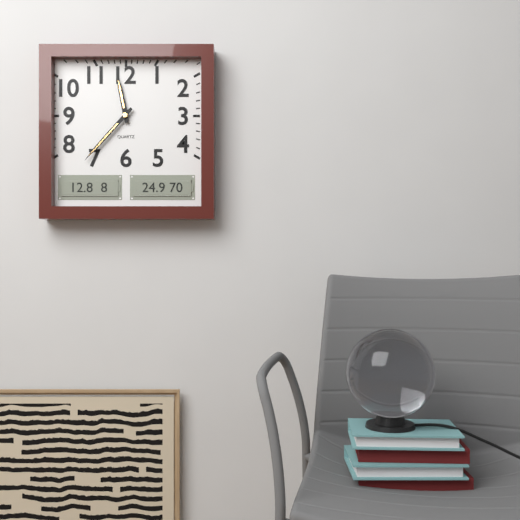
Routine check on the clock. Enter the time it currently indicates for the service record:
11:37
